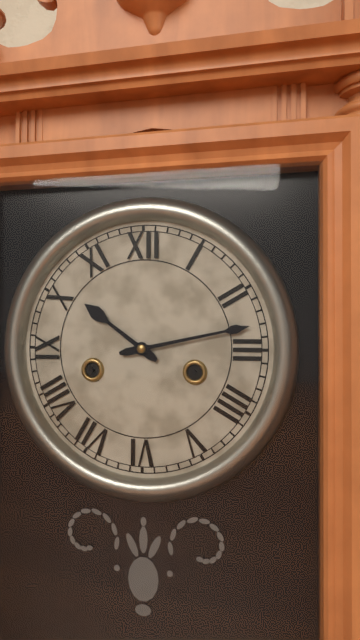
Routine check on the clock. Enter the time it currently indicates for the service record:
10:13
